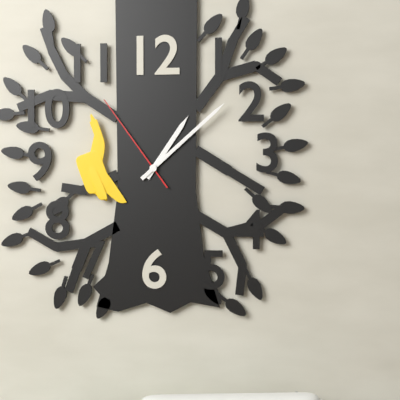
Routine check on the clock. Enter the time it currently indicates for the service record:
1:08:54
